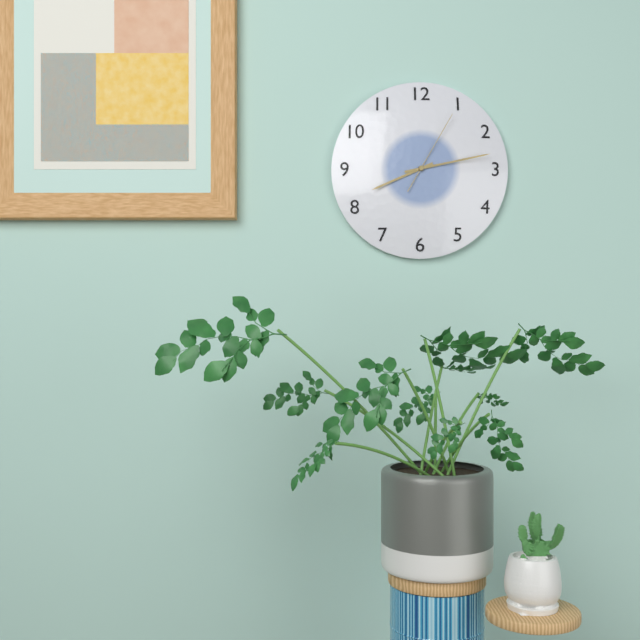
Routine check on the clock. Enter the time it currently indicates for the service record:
8:13:05
